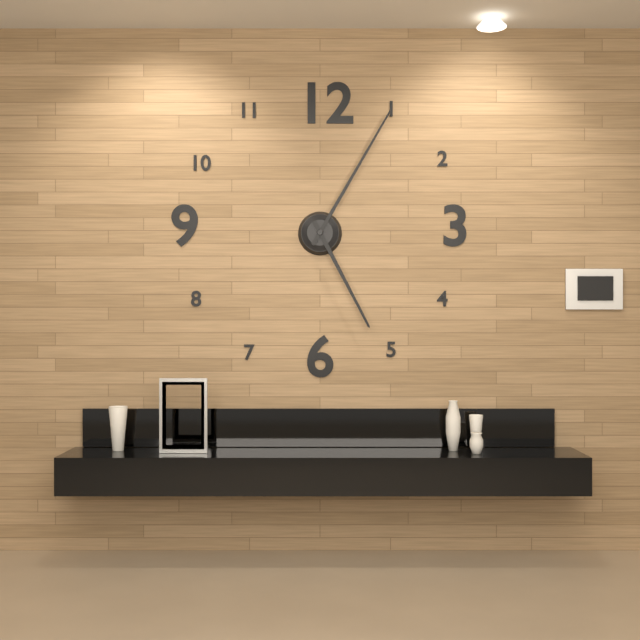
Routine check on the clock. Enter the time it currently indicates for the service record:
5:05
